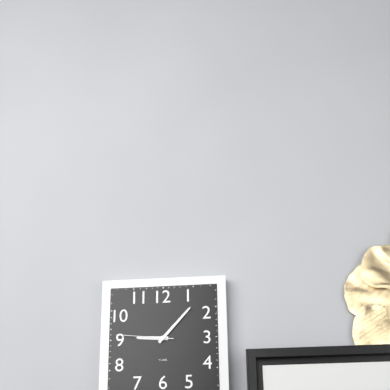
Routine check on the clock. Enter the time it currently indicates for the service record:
9:07:46
